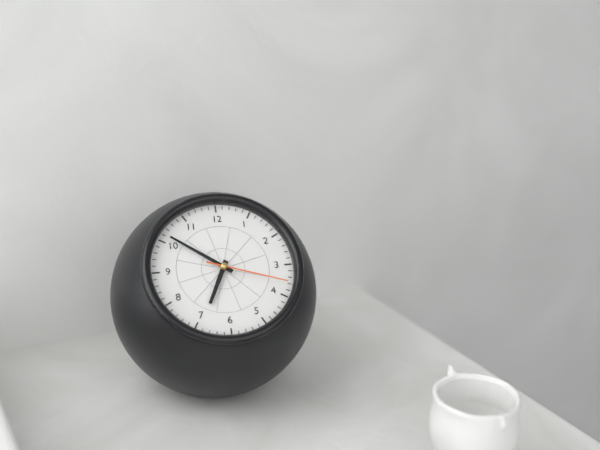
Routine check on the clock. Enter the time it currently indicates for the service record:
6:51:18
